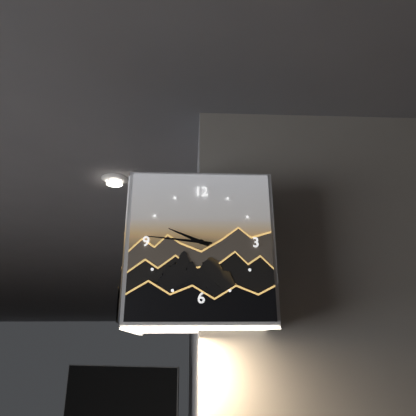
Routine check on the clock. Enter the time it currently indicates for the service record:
9:46
